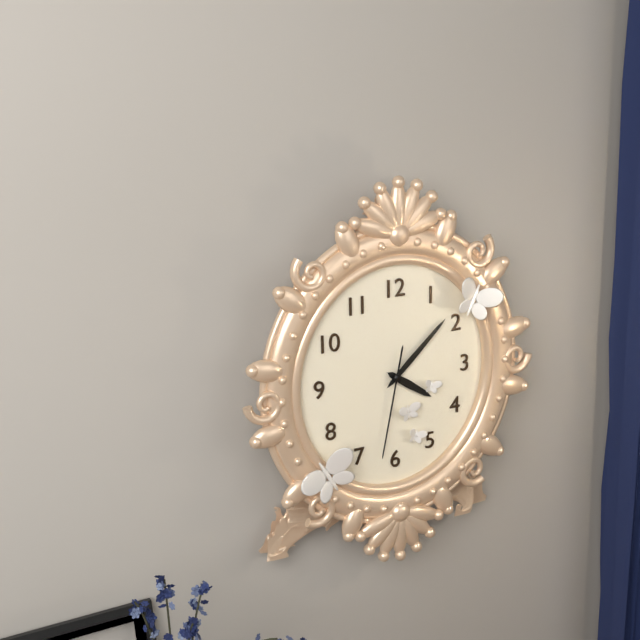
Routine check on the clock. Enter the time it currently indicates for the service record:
4:08:32
